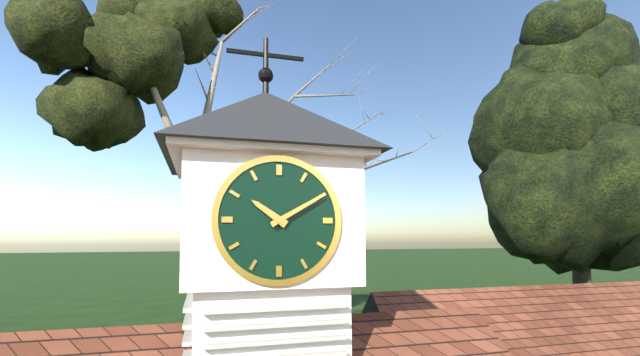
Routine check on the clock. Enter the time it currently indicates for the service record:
10:10
